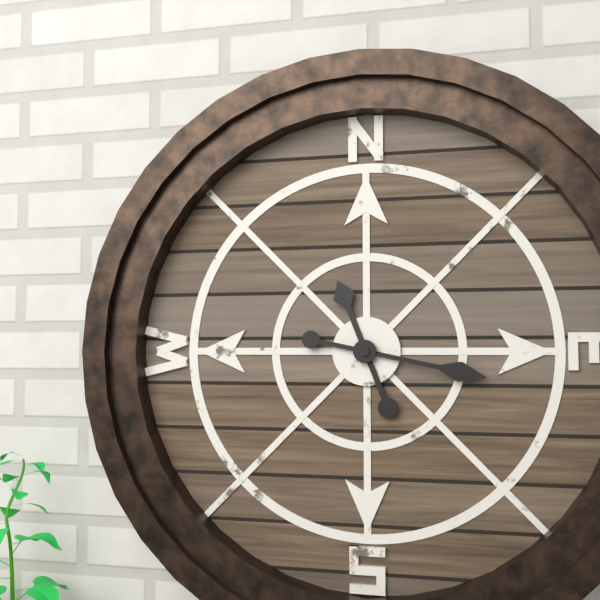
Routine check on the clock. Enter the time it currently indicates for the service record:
11:17
